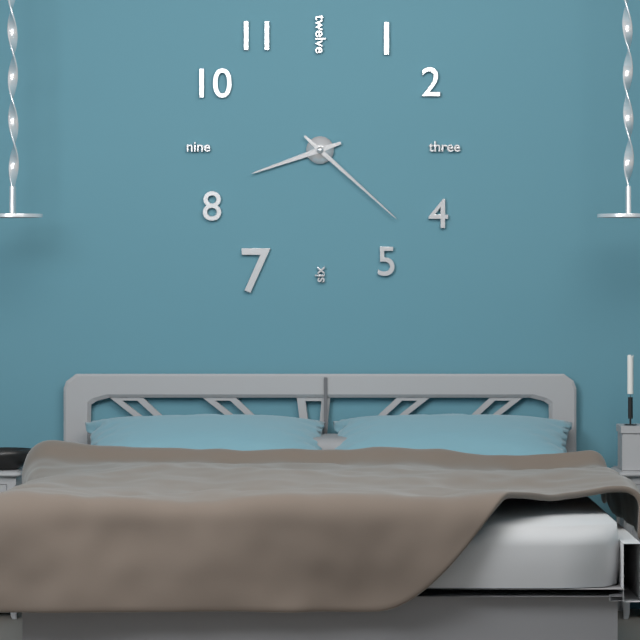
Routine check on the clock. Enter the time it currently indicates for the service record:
8:22
